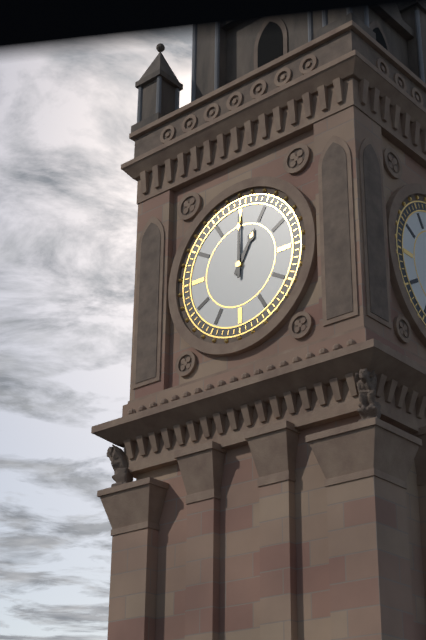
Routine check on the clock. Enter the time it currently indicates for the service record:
1:00
